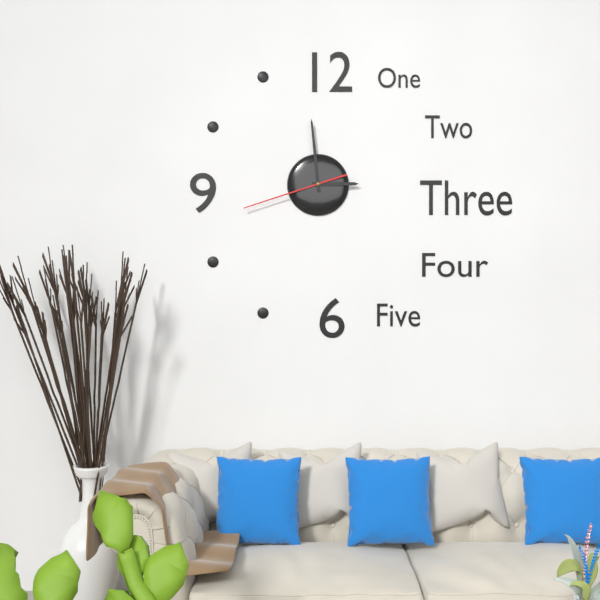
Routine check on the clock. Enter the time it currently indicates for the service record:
2:59:42
